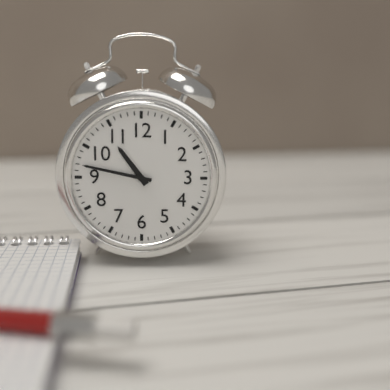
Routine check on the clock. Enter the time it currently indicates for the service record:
10:47
